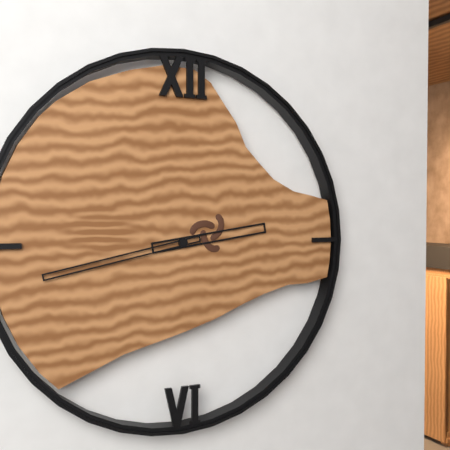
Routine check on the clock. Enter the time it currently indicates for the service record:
2:43
